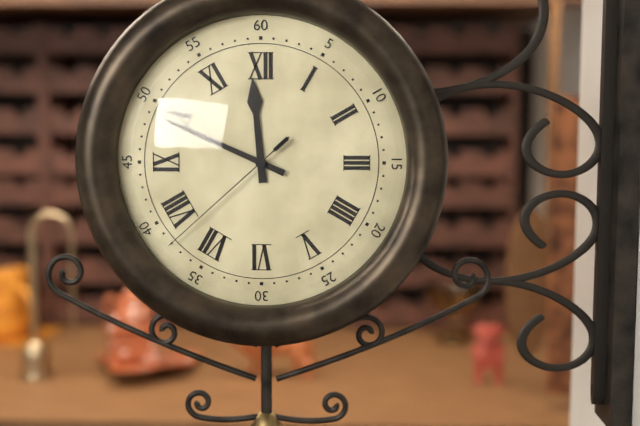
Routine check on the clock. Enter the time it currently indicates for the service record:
11:49:38
